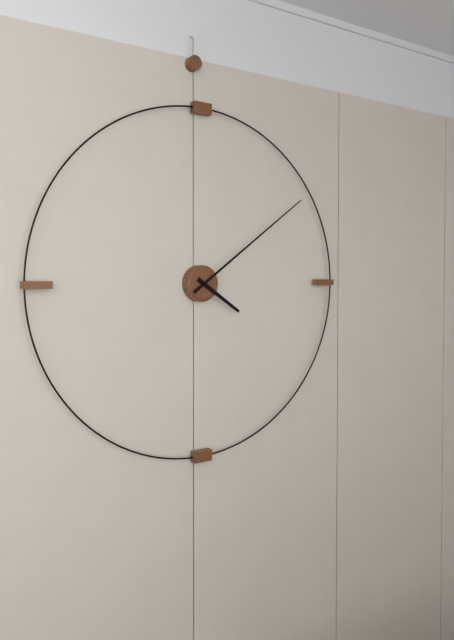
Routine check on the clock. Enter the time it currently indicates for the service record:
4:09
